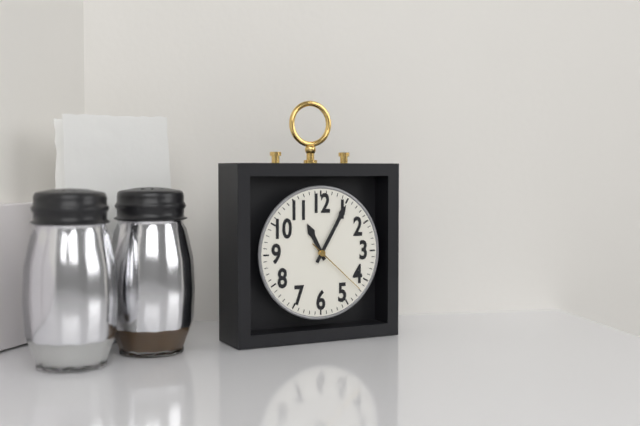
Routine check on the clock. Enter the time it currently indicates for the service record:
11:05:22
